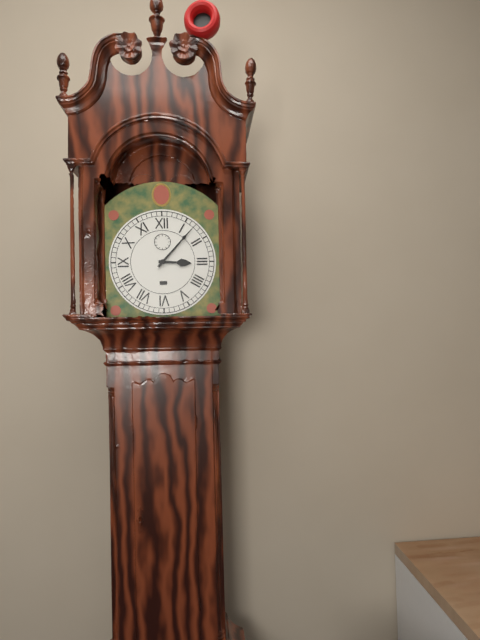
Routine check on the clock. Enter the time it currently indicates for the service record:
3:07
